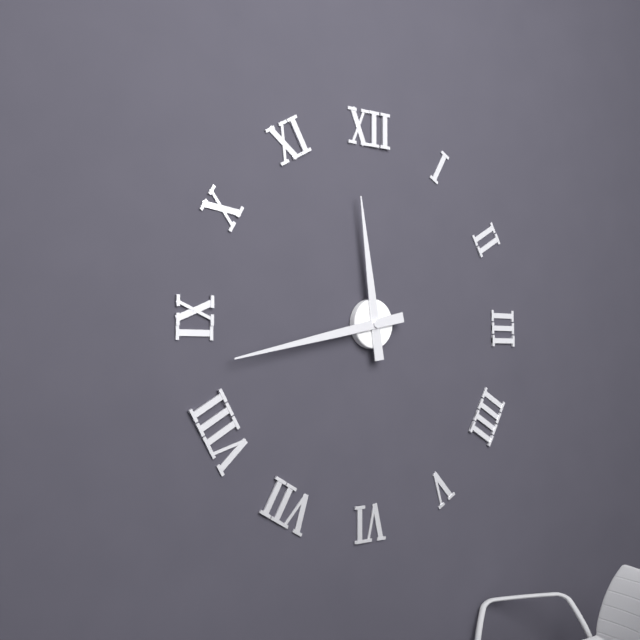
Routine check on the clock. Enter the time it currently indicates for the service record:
11:43
